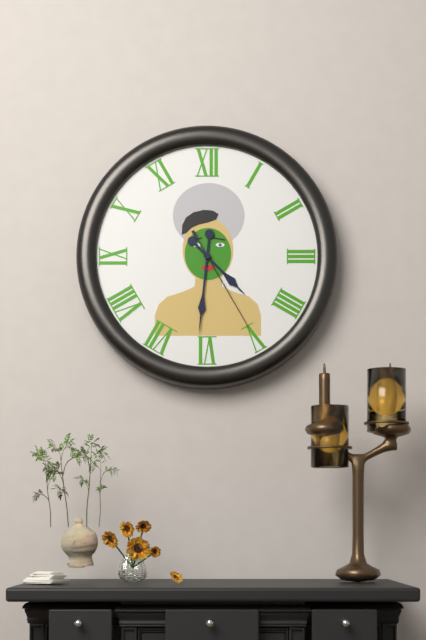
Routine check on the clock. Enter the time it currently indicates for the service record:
4:31:25
